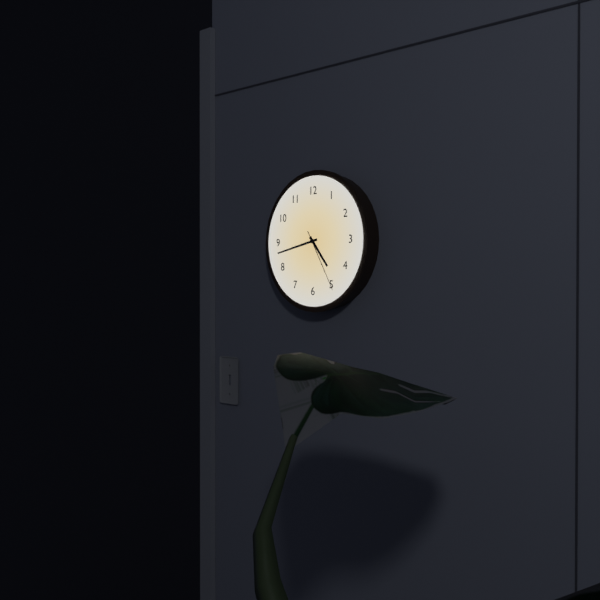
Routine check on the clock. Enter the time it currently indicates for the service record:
4:43:25
